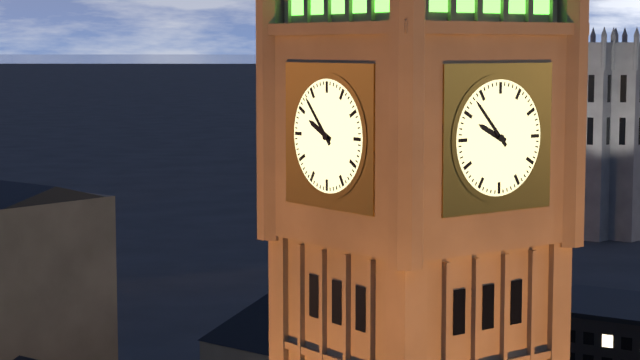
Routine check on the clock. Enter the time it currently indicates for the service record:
9:53
